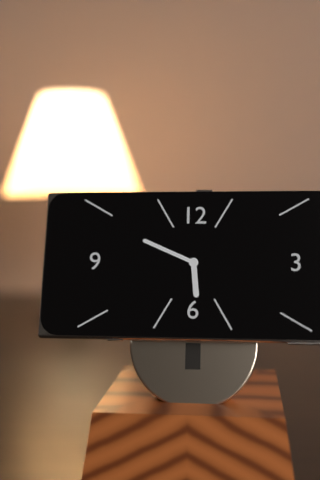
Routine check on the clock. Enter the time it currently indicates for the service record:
5:49
